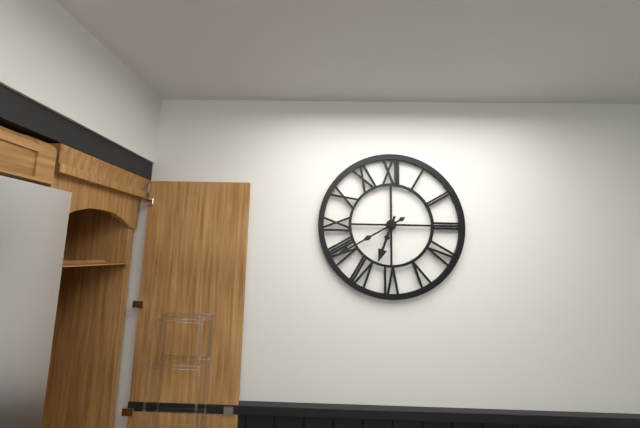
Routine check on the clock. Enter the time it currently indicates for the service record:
6:40
